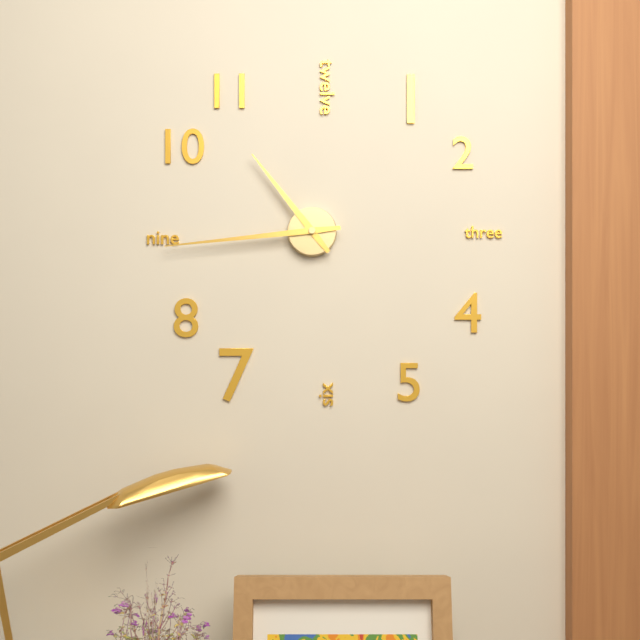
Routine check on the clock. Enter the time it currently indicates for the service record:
10:44
